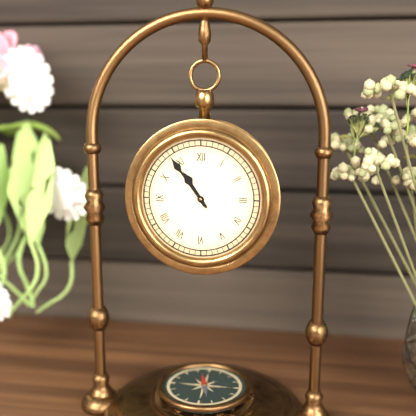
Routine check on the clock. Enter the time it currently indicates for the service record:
10:54
